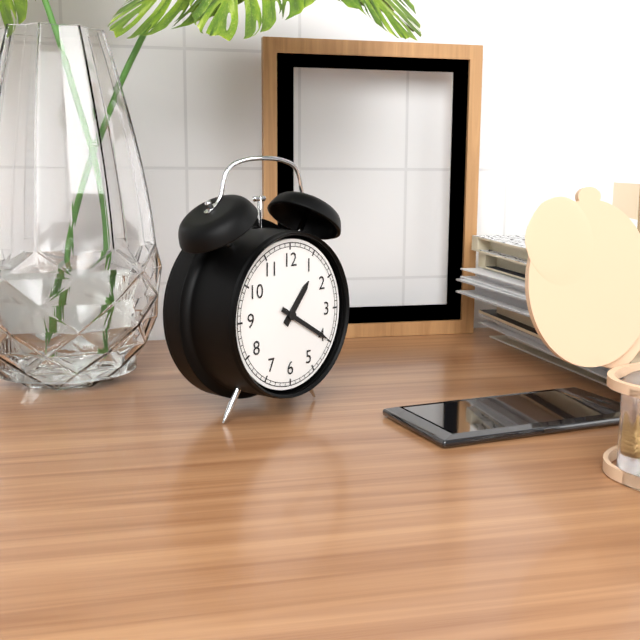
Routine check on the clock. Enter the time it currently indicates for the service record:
1:20
